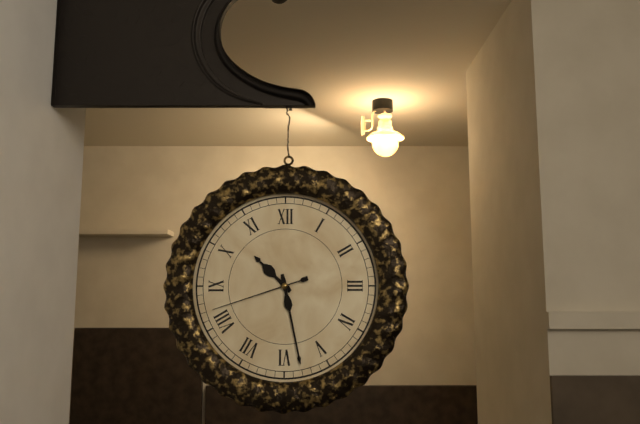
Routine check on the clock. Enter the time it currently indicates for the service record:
10:28:42
